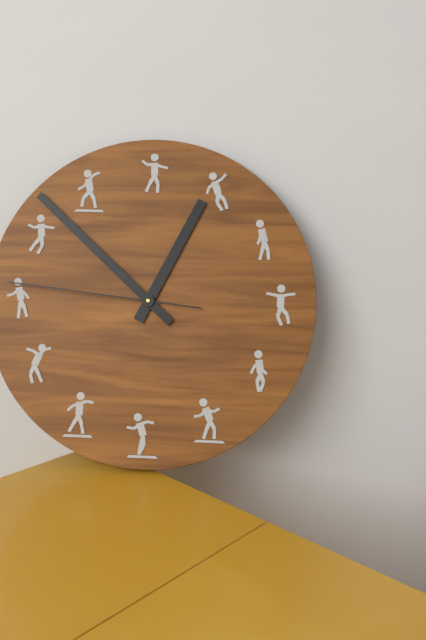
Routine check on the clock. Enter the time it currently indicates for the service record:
12:52:46
